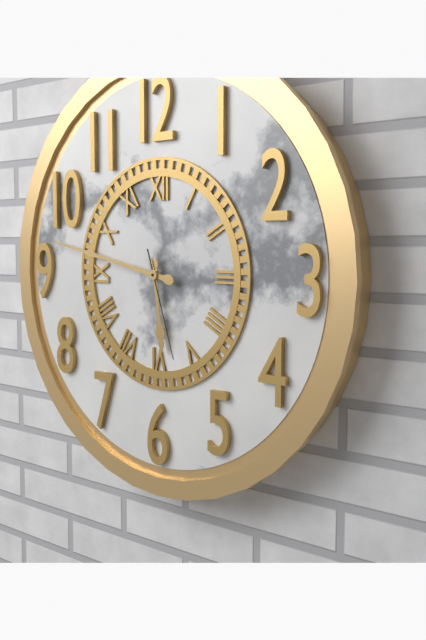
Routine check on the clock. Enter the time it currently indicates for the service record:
5:47:27
